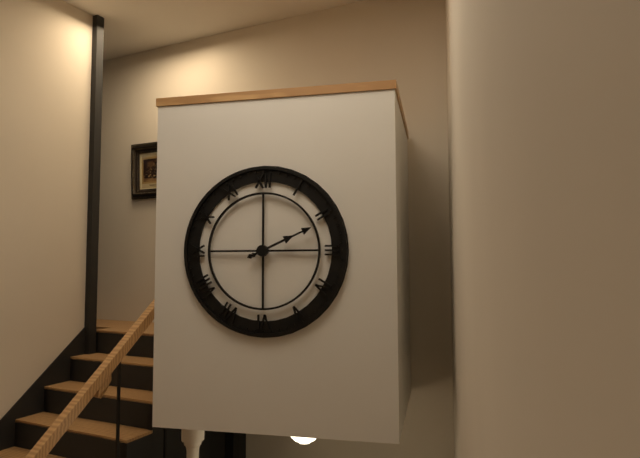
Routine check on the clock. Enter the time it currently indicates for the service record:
2:11
